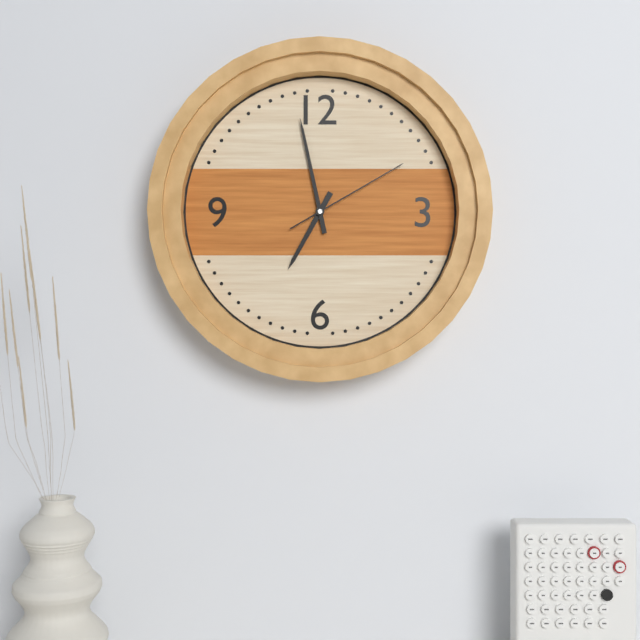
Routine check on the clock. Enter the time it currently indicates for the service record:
6:58:10
